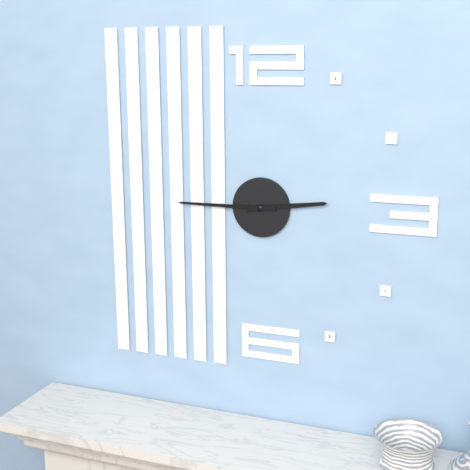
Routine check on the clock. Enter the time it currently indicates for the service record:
2:45
